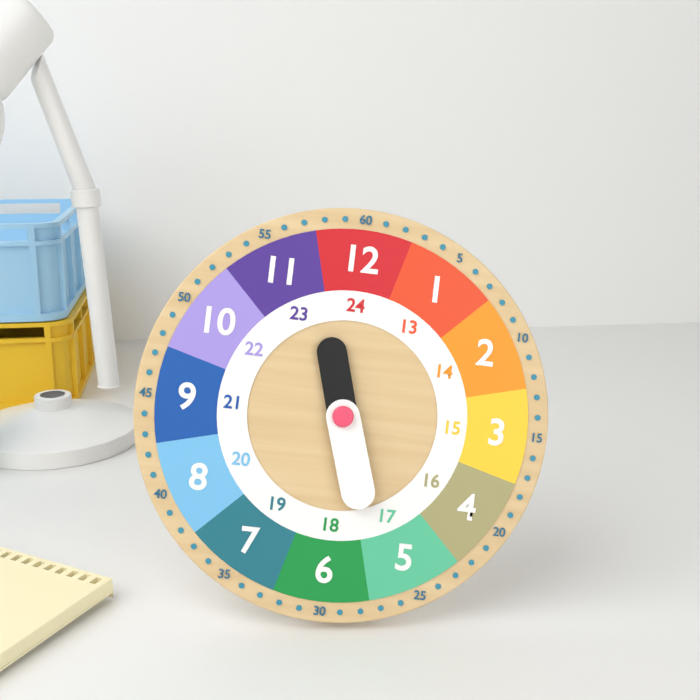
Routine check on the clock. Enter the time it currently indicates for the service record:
11:27
